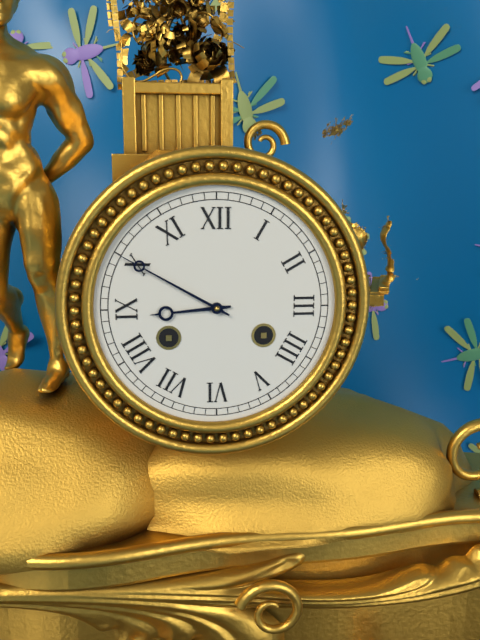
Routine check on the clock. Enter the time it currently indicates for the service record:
8:50
